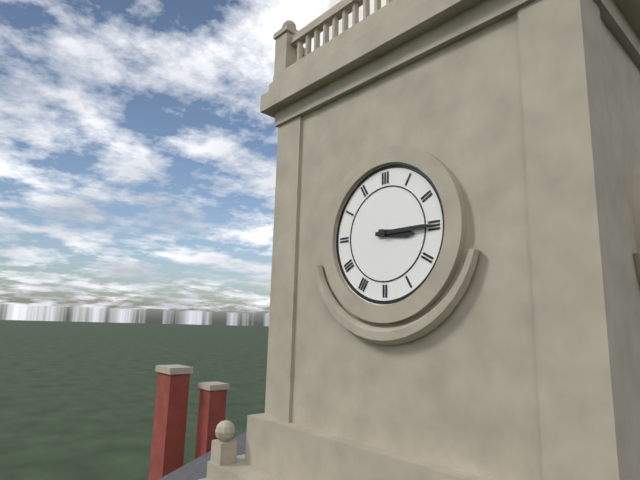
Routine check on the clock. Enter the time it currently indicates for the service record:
3:15
